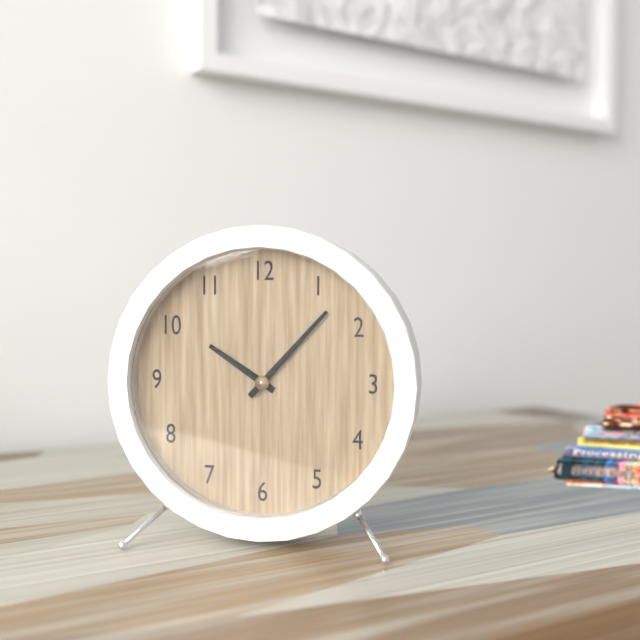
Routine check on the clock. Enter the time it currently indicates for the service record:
10:07
